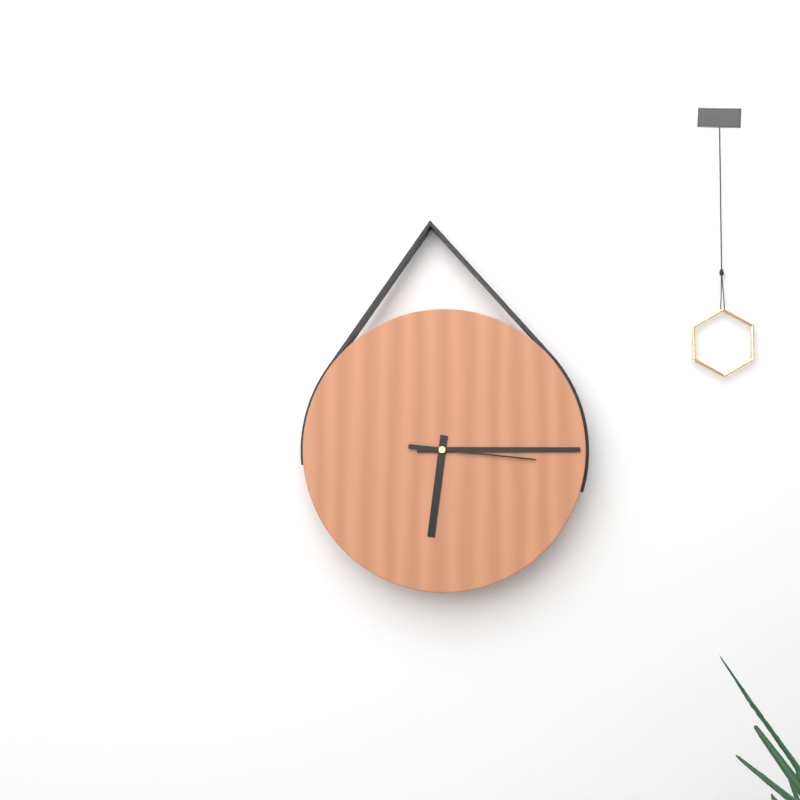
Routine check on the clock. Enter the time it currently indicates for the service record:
6:15:16
